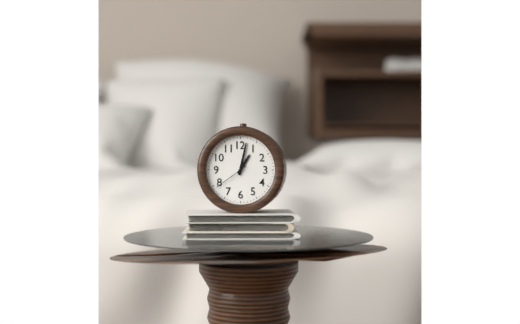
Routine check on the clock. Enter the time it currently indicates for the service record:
1:02
